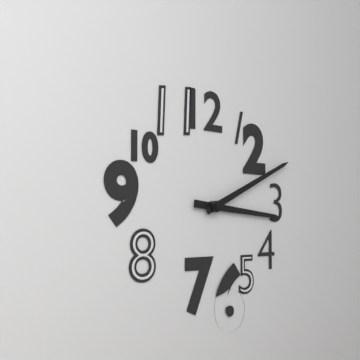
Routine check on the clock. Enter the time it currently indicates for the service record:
3:11
